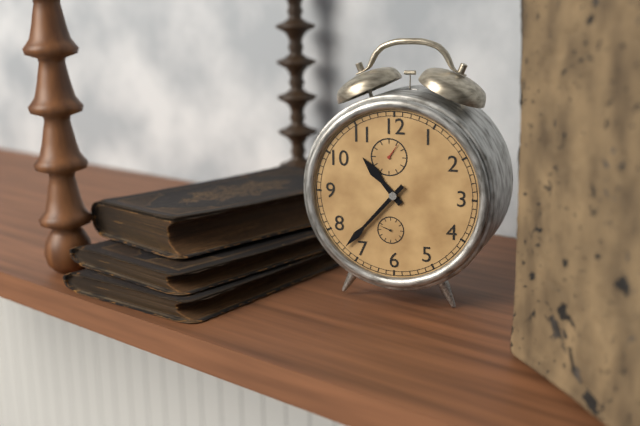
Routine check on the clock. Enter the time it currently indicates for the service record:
10:37
